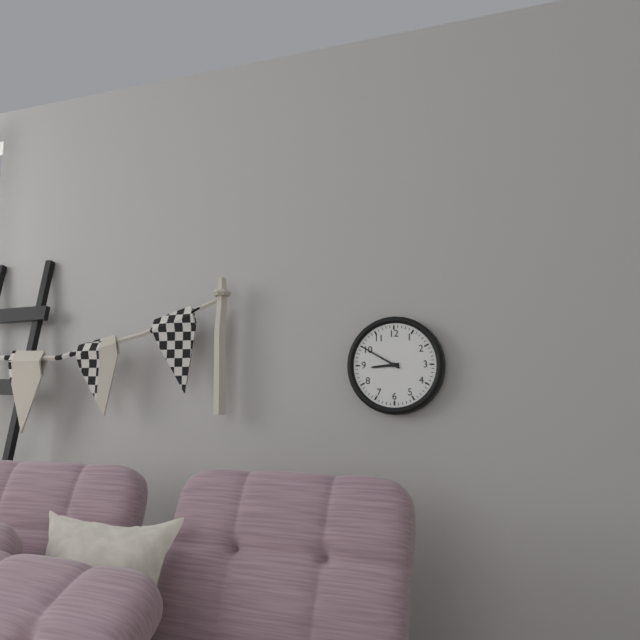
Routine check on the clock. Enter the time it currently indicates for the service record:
8:50
